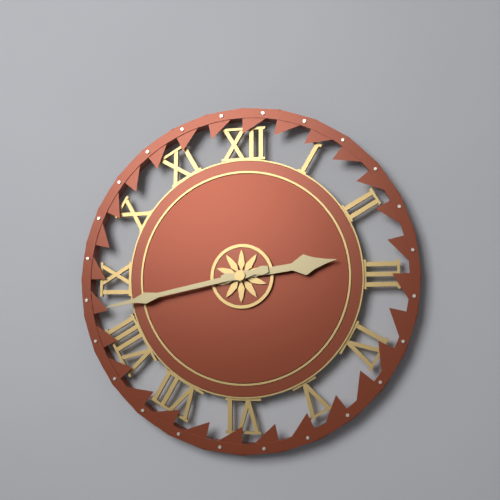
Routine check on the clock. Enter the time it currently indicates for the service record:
2:43
